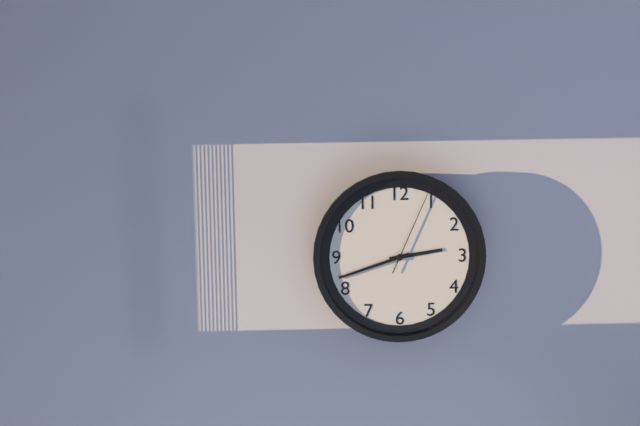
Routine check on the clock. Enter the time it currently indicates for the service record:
2:42:04
